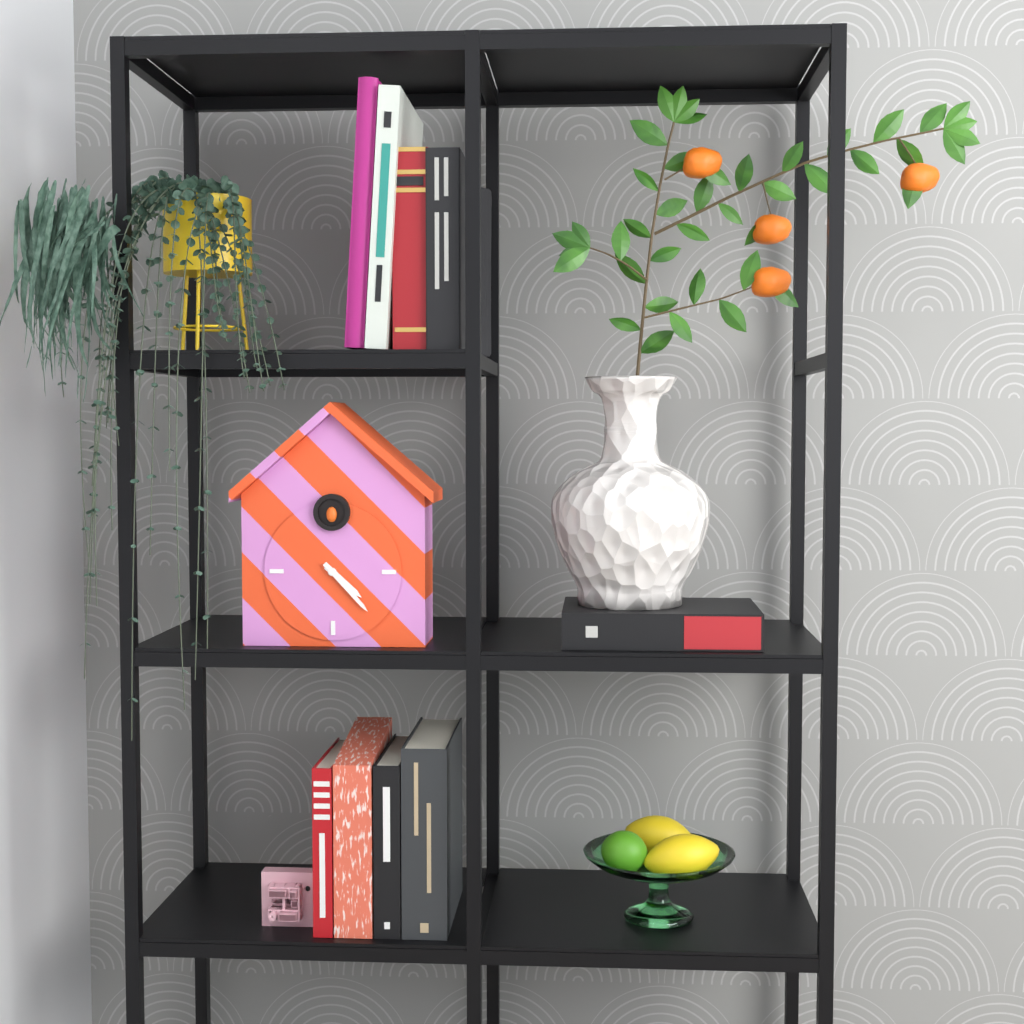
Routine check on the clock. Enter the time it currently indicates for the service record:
4:23
